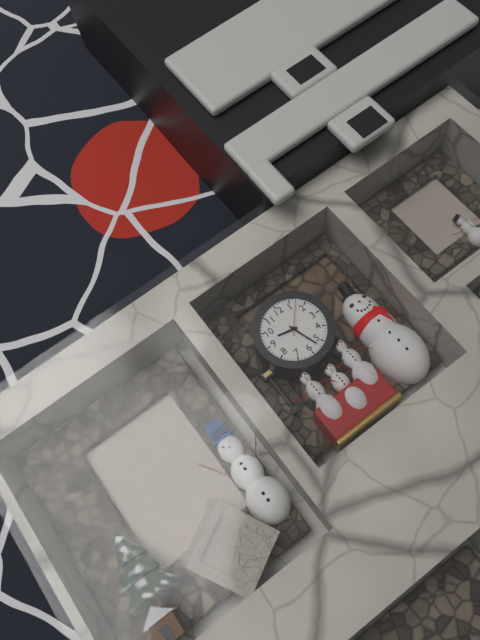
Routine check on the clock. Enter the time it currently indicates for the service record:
9:27
